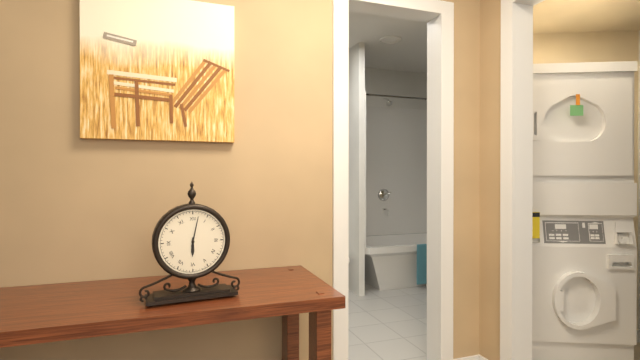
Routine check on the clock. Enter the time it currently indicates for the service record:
6:02
